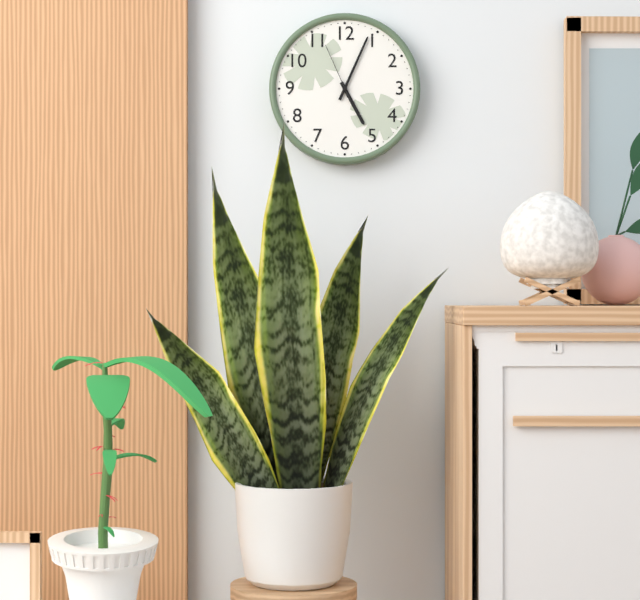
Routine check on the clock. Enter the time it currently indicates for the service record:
5:04:56
